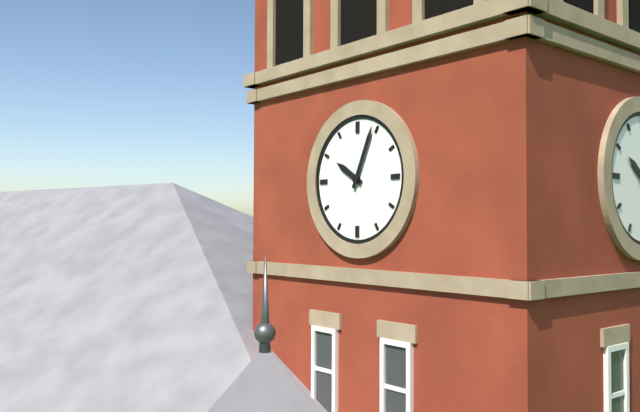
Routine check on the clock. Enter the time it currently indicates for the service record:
10:04
